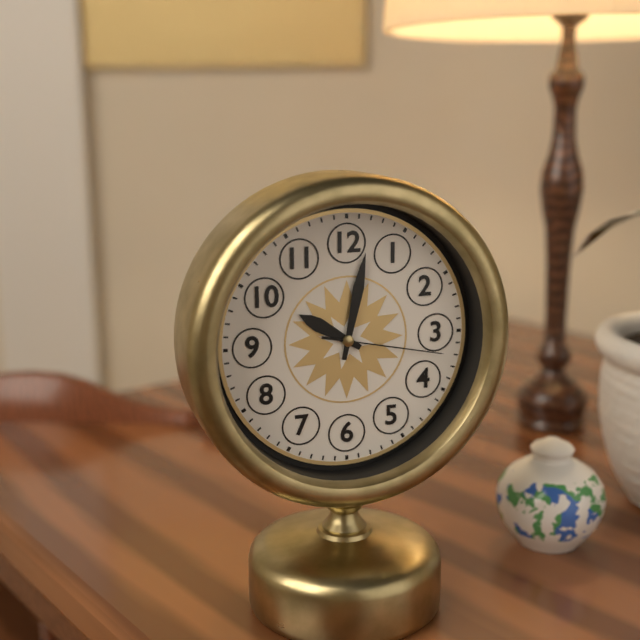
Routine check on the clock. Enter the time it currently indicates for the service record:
10:02:17
